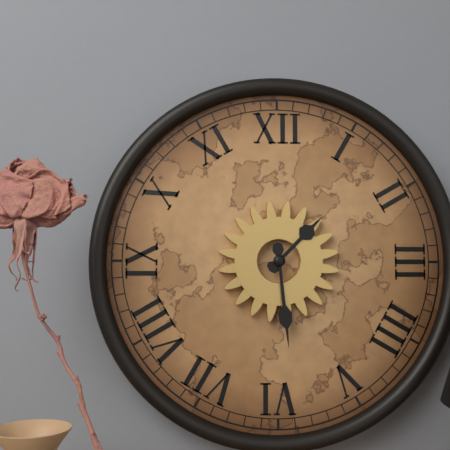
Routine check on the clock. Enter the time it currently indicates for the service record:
1:29
